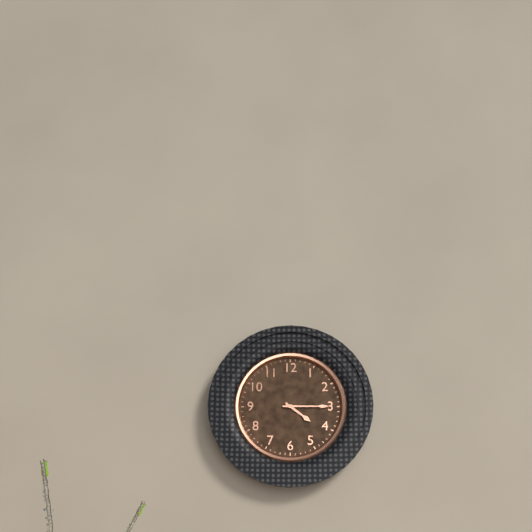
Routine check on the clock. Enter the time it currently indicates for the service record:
4:15
